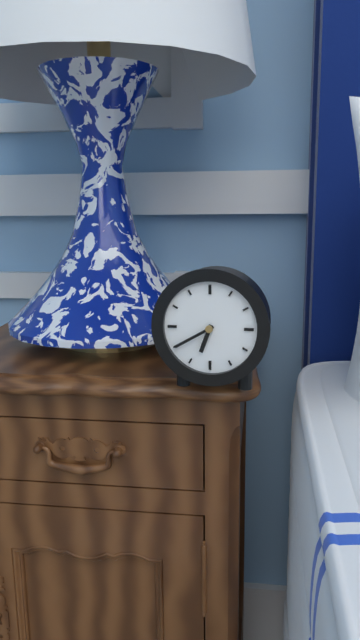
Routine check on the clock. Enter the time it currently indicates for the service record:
6:40
